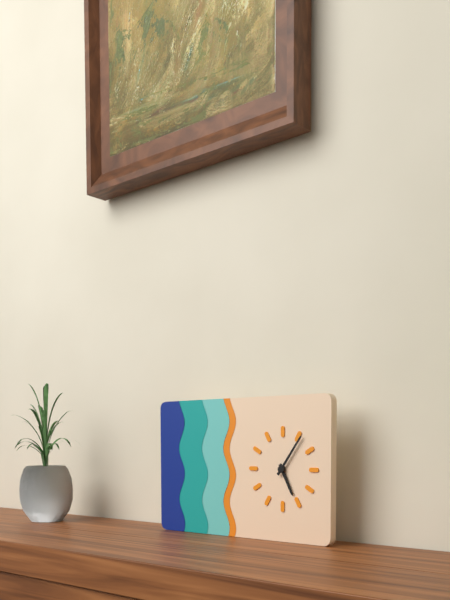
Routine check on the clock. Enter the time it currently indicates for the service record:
5:06
